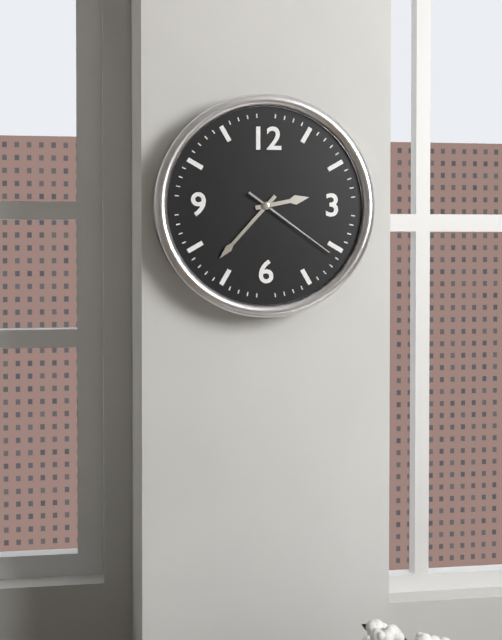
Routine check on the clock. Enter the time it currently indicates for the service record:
2:37:21
